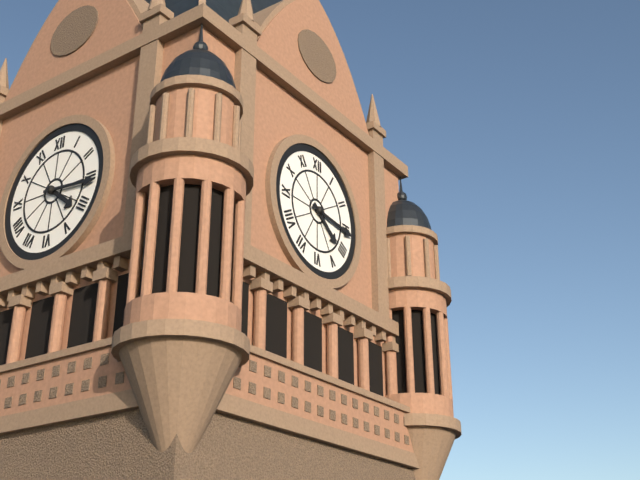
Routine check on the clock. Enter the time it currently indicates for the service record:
4:16
